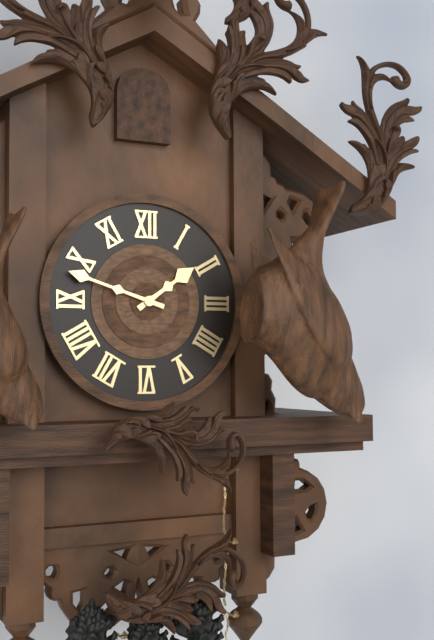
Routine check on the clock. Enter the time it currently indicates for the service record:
1:48
